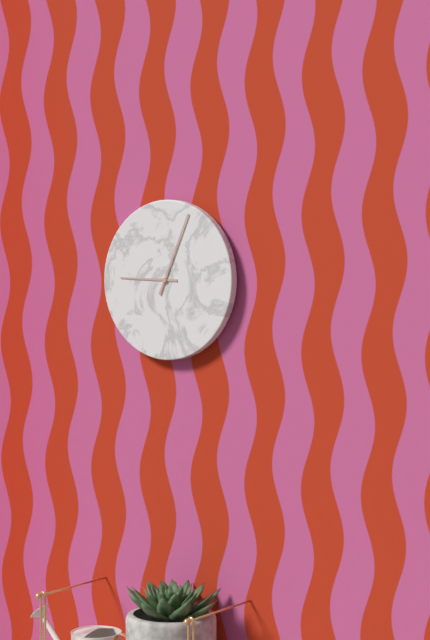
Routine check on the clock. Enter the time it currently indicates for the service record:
9:04
